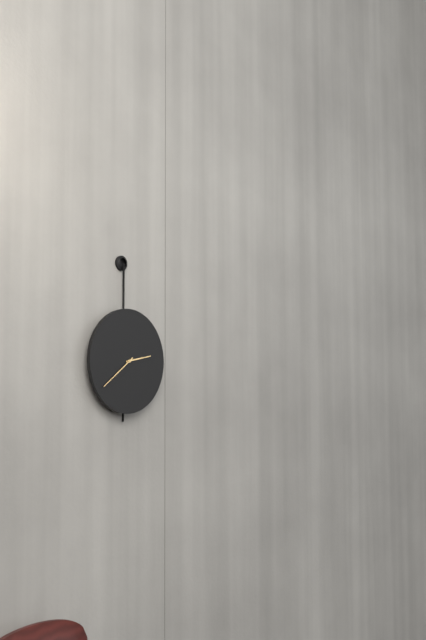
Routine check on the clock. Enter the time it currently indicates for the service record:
2:39
